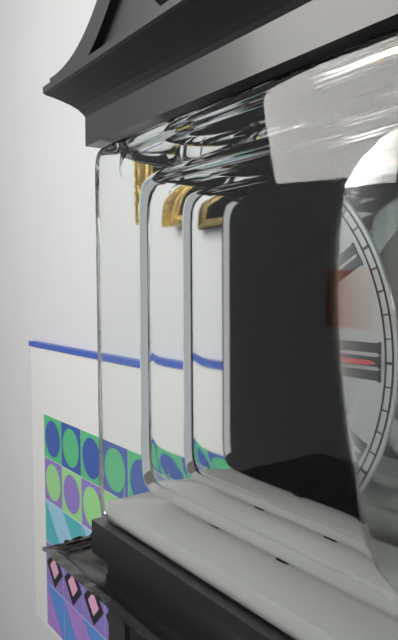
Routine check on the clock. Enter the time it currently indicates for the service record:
6:15
